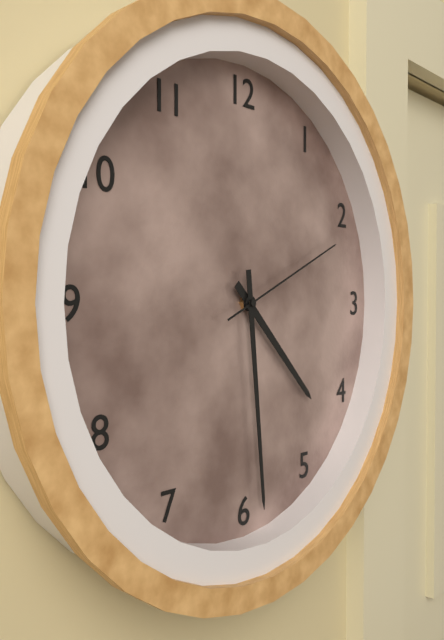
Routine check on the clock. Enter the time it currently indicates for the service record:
4:29:11
